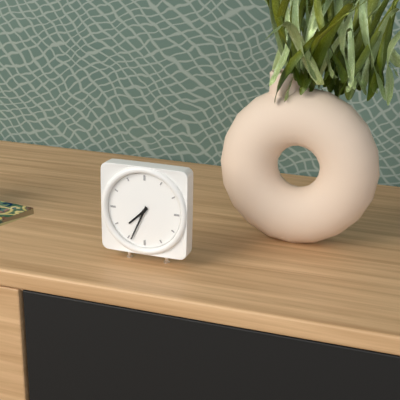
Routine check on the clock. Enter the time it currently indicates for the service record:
7:34
